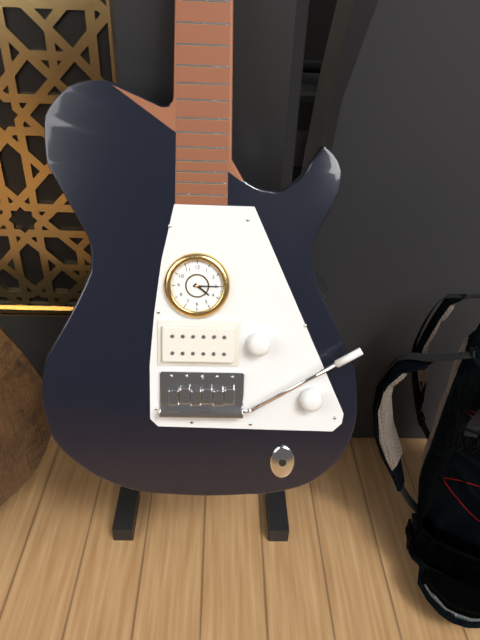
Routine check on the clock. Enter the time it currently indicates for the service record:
4:15
